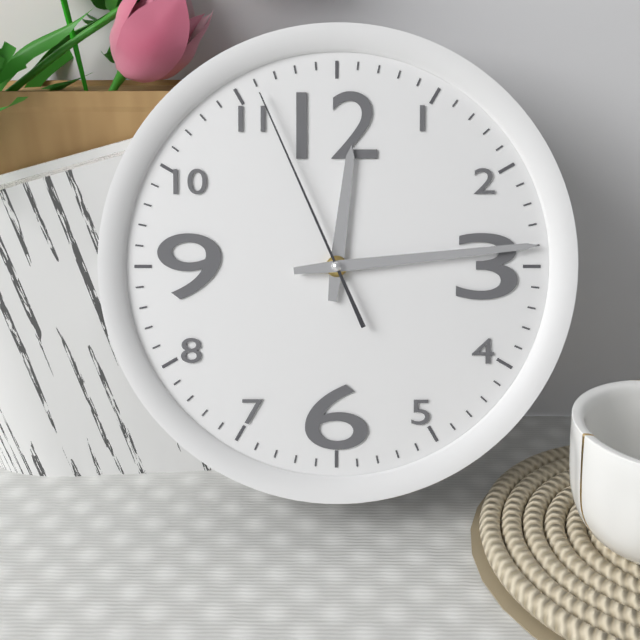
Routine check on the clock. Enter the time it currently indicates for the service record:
12:14:56
